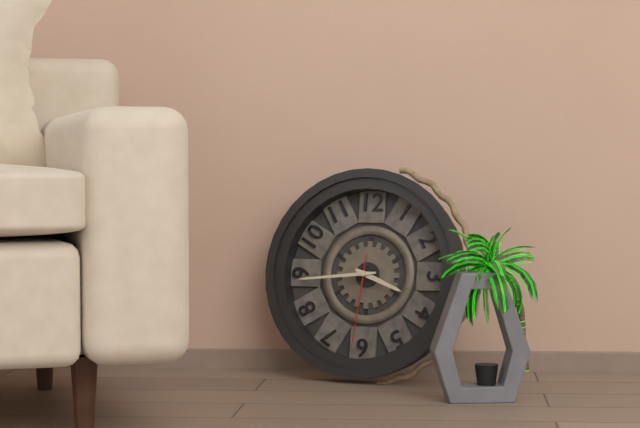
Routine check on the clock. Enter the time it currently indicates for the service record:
3:44:31
